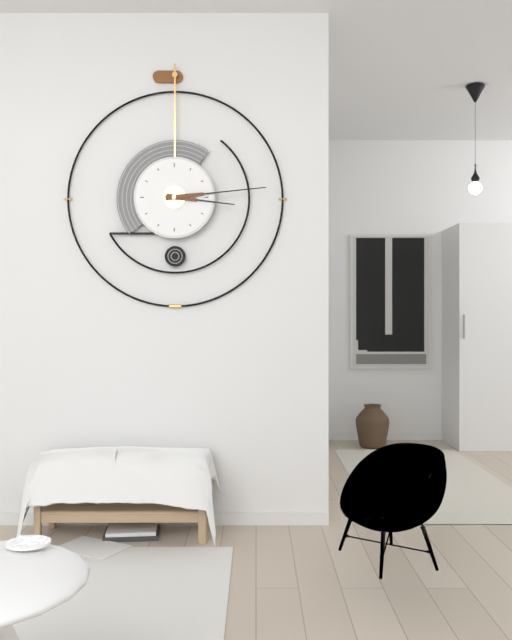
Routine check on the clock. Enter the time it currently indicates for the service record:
3:14
